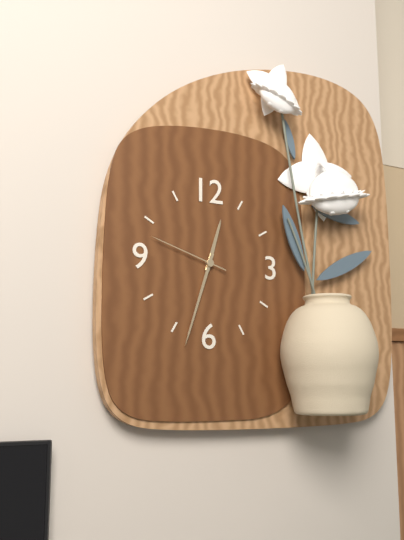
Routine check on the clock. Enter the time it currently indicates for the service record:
12:33:48
